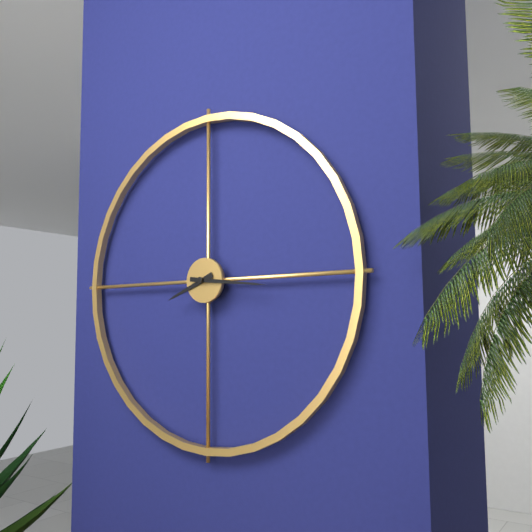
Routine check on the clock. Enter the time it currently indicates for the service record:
8:16
